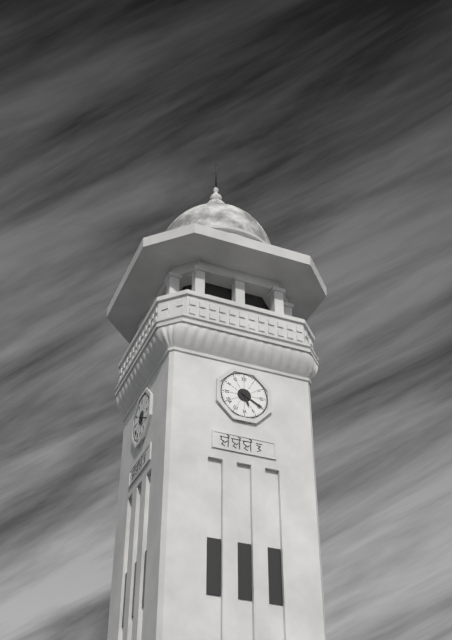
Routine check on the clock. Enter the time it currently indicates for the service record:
5:20
